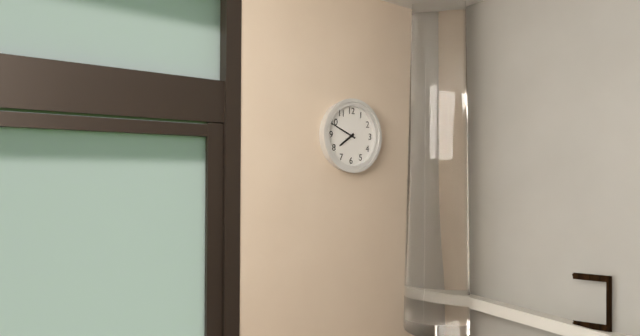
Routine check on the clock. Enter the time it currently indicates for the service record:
7:49
